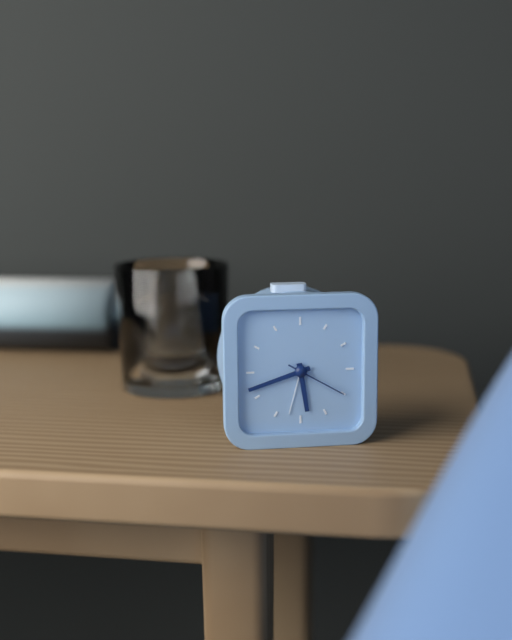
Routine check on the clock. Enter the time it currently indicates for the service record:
5:42:20
